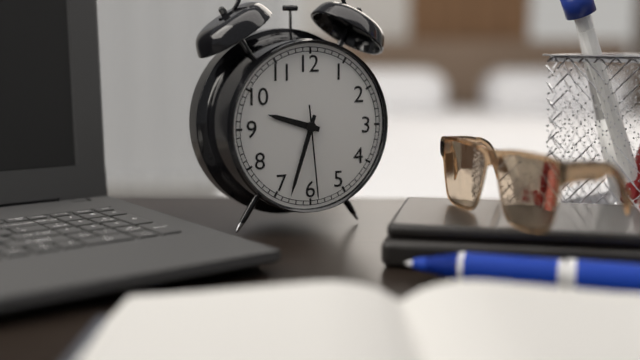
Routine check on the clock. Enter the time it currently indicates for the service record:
9:33:29
